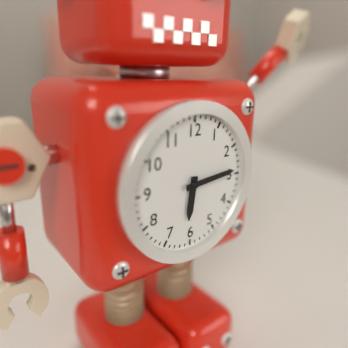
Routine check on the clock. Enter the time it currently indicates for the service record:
6:14
